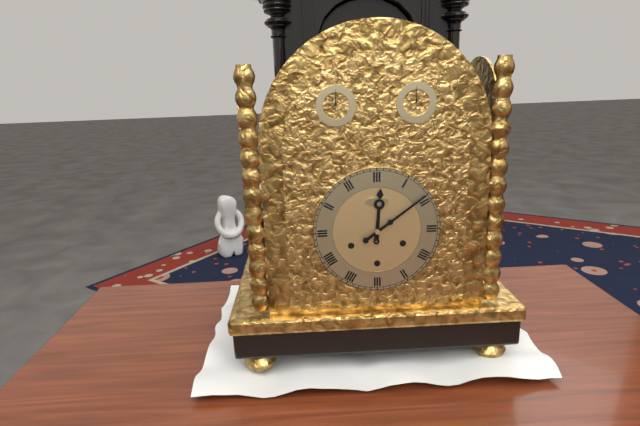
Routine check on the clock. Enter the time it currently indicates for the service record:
12:09
